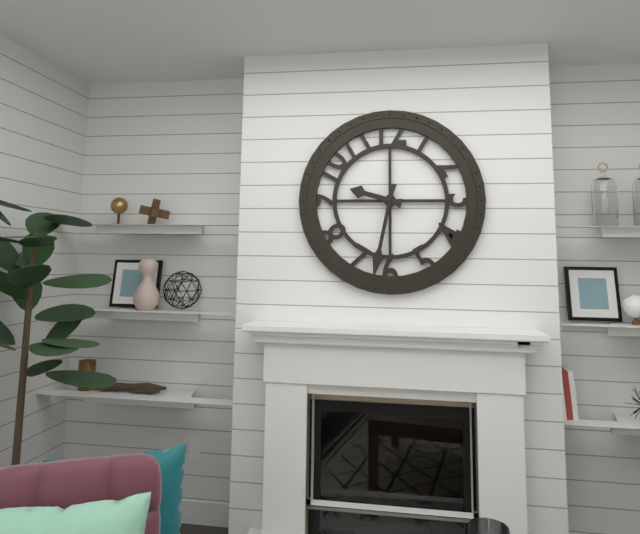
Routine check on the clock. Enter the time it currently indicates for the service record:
9:32
